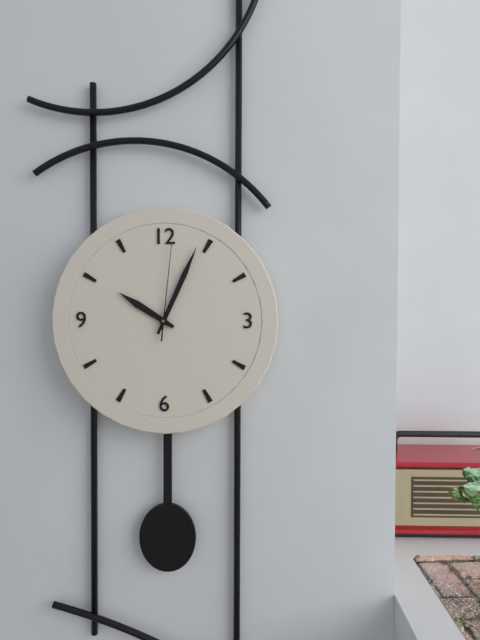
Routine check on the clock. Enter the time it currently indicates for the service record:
10:04:01
